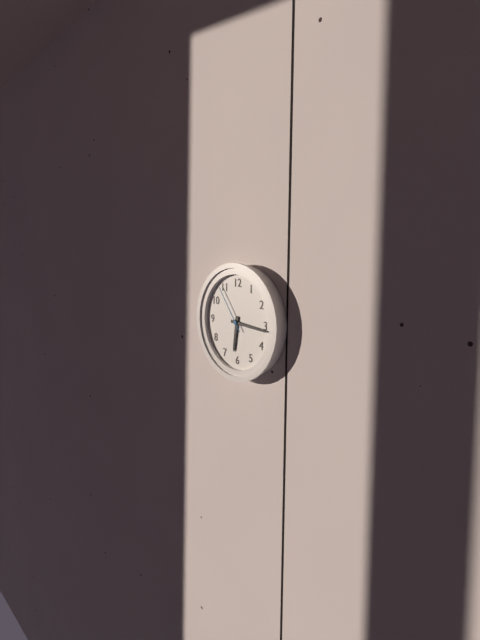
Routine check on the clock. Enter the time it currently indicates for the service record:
6:16
